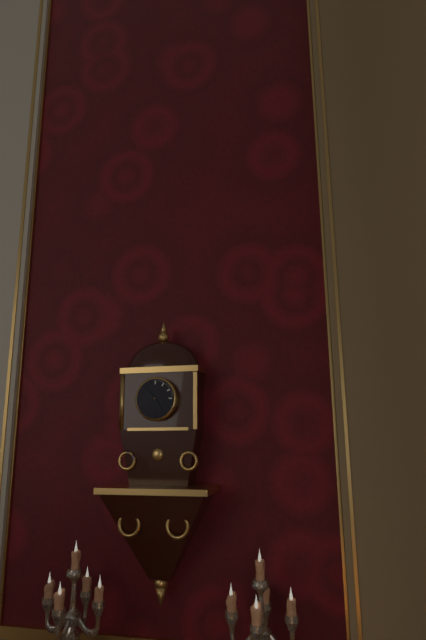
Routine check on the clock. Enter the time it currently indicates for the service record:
4:53
